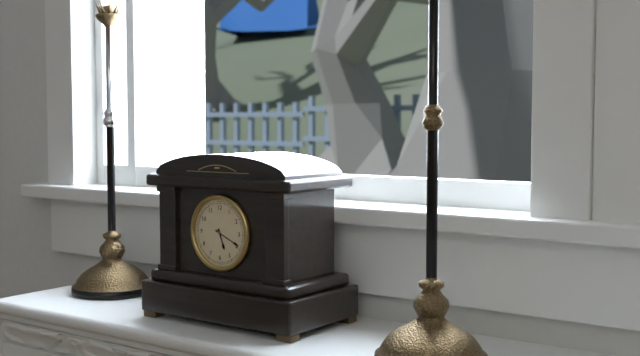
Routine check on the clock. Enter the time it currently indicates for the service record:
5:19
